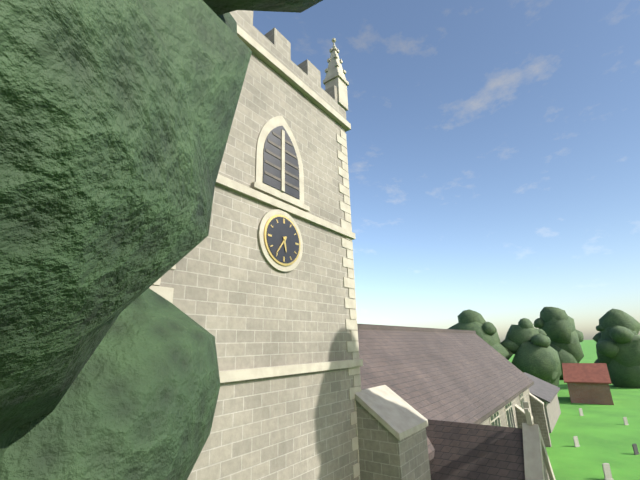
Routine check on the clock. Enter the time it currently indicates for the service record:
5:36
